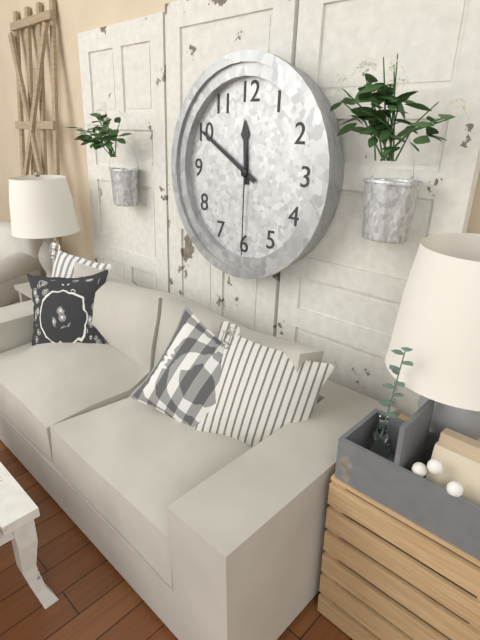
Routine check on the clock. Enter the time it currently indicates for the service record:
11:50:30
